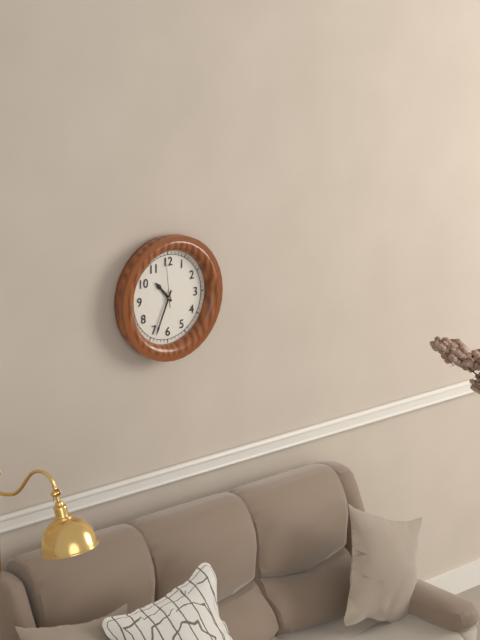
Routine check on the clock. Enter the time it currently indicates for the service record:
10:34:59
